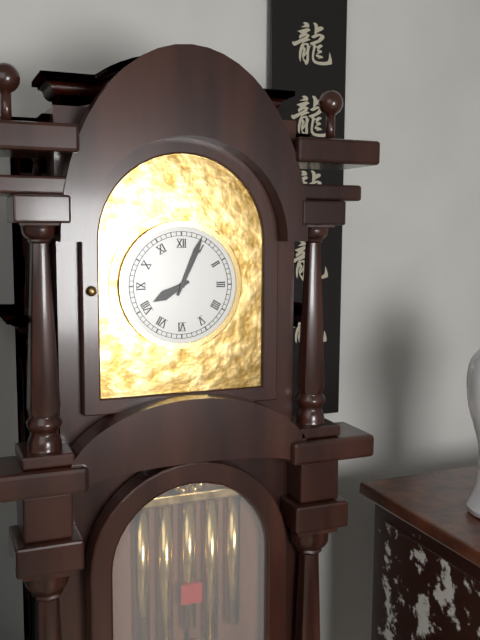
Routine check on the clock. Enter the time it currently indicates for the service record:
8:04
